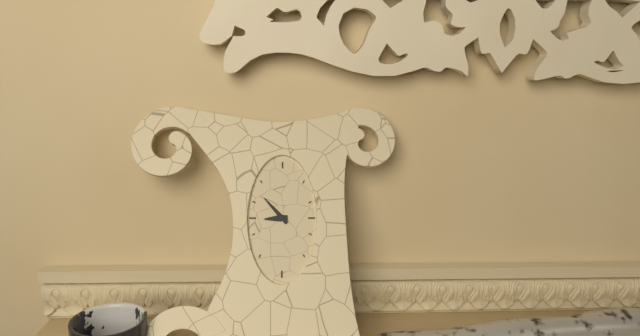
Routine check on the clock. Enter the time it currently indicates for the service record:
8:53
